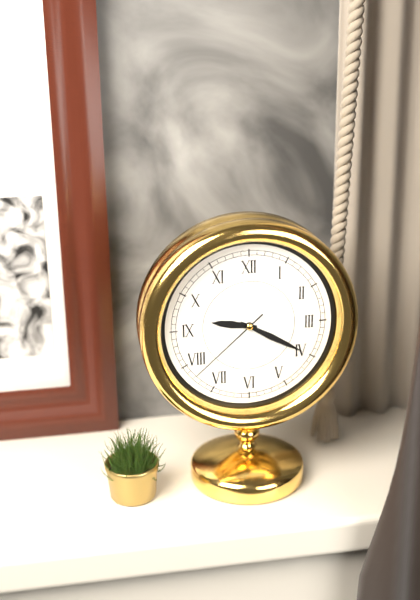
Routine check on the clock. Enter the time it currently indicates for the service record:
9:20:38
